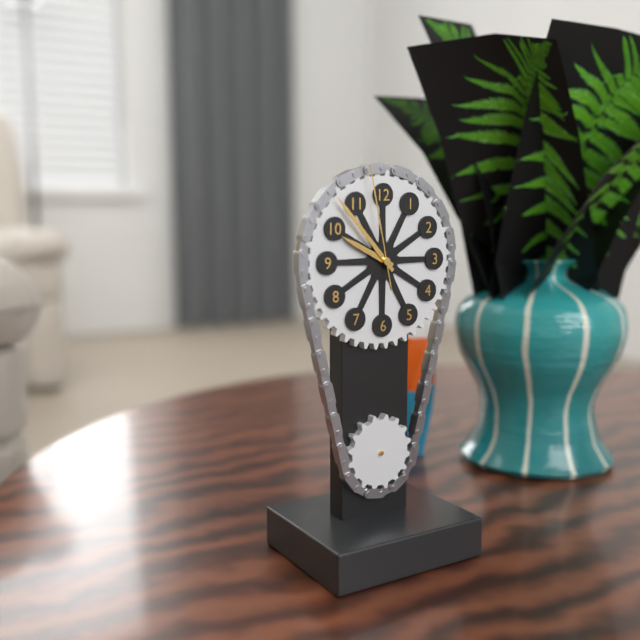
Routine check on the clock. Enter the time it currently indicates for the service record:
9:53:58
